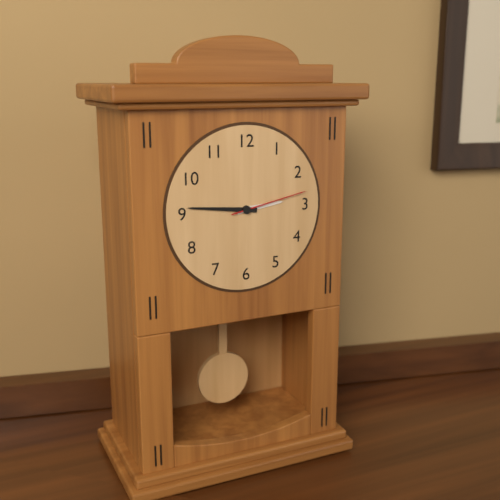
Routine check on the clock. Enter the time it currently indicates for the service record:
2:46:13
